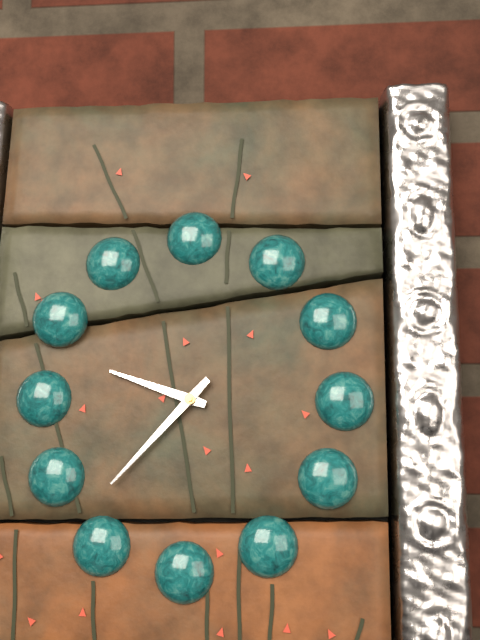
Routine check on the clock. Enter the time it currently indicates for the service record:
9:37
